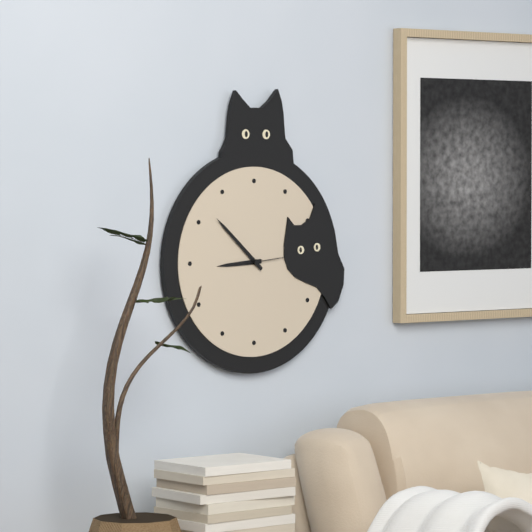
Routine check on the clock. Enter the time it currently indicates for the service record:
8:52
